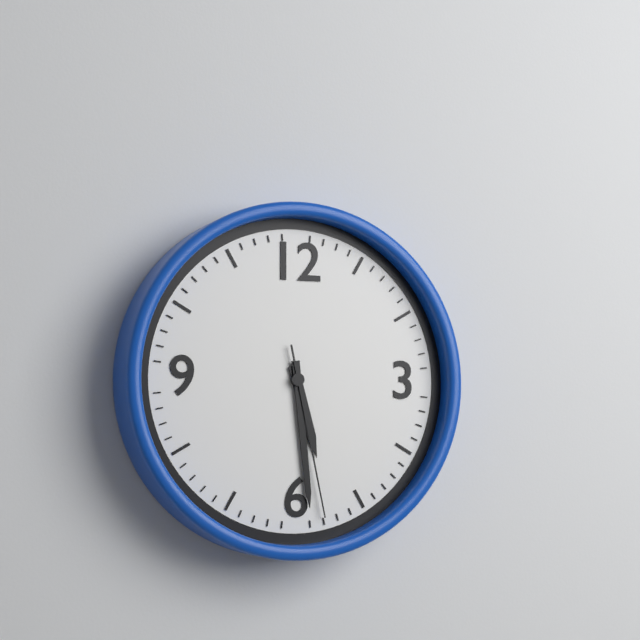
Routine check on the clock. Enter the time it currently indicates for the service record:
5:29:28
